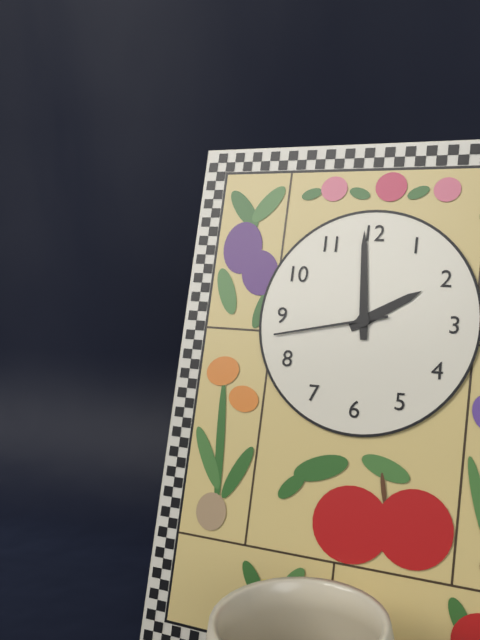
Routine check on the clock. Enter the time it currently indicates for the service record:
1:59:43
